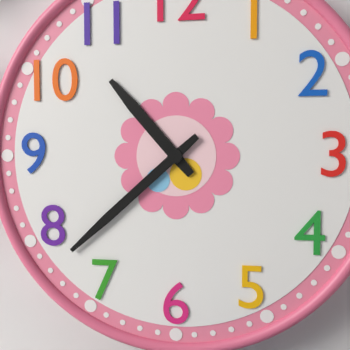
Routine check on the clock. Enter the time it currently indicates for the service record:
10:38
